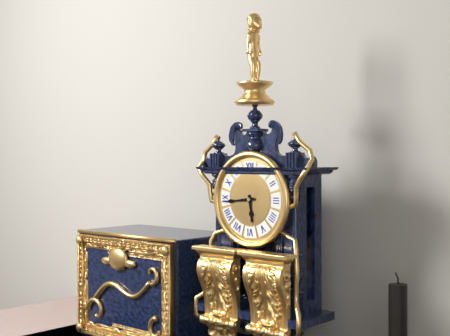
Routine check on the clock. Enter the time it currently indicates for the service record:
5:44
